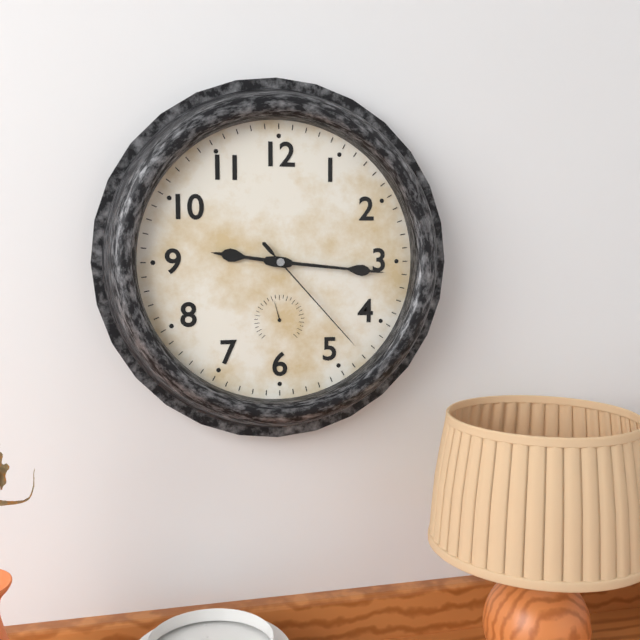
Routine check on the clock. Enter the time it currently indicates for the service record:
9:16:23
